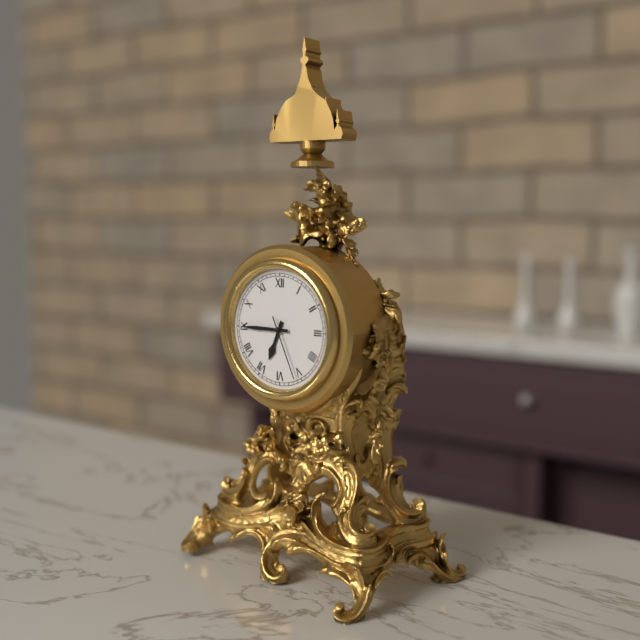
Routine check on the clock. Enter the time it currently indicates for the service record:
6:45:26
